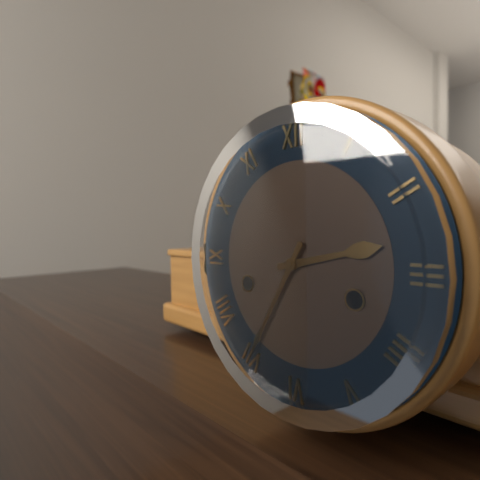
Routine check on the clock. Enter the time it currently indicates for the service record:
2:35
